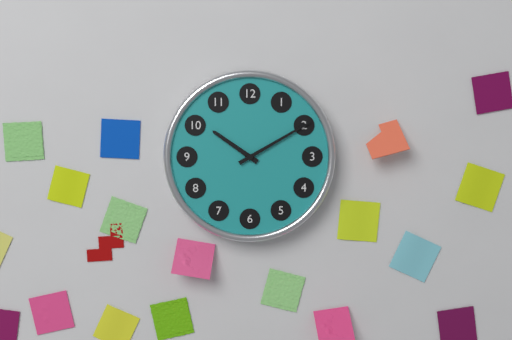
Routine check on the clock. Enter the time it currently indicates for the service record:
10:10
